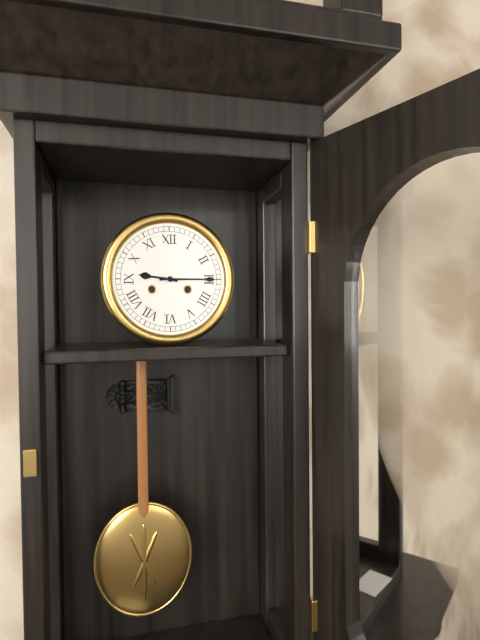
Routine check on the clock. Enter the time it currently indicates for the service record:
9:15
